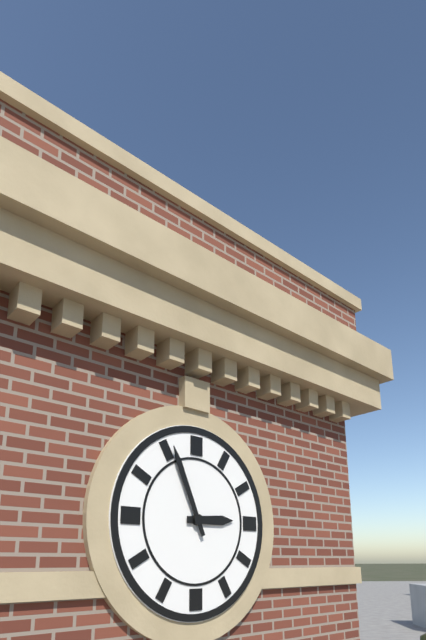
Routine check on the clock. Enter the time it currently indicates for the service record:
2:56
